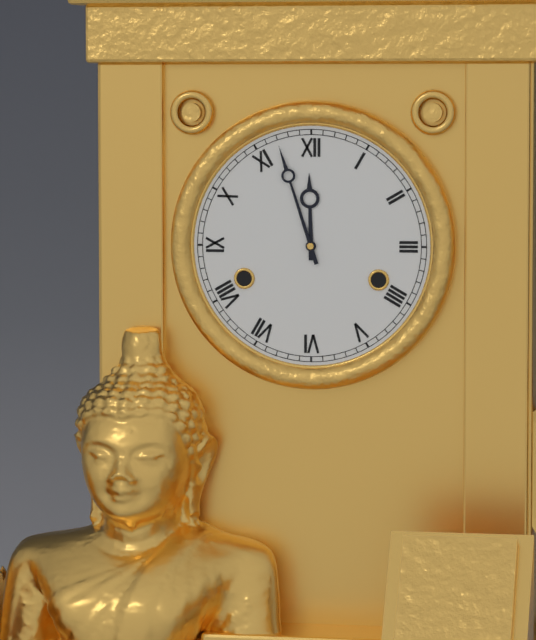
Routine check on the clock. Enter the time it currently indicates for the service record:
11:57
